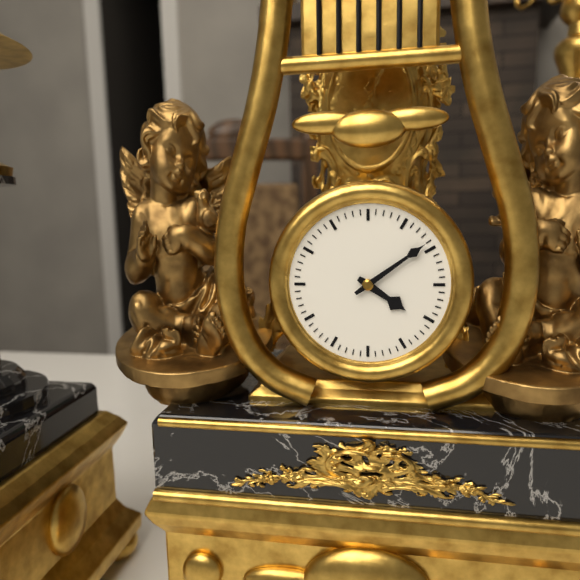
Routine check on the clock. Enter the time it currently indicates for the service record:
4:09
